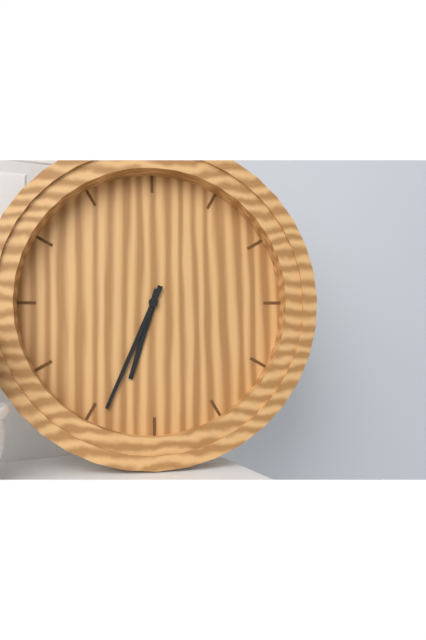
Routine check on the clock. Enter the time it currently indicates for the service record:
6:34
